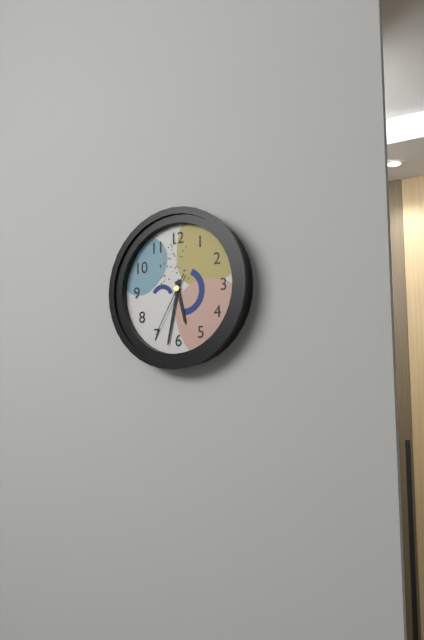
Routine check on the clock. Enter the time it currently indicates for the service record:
5:32:35
